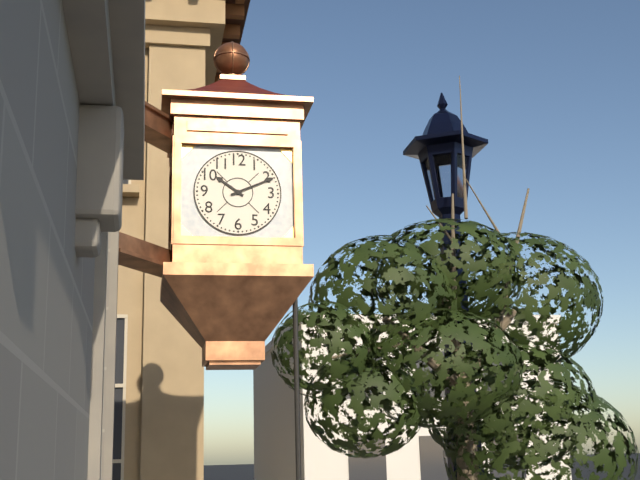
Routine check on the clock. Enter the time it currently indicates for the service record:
10:11
